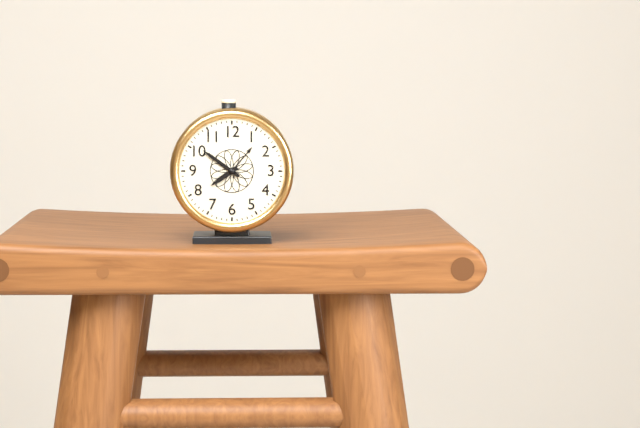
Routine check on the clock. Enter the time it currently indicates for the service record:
7:51
